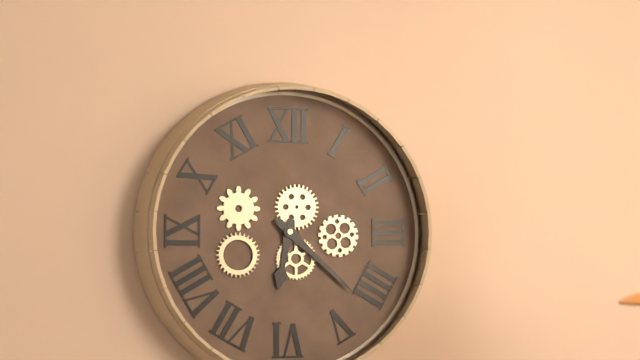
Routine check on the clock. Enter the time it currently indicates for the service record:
6:22
